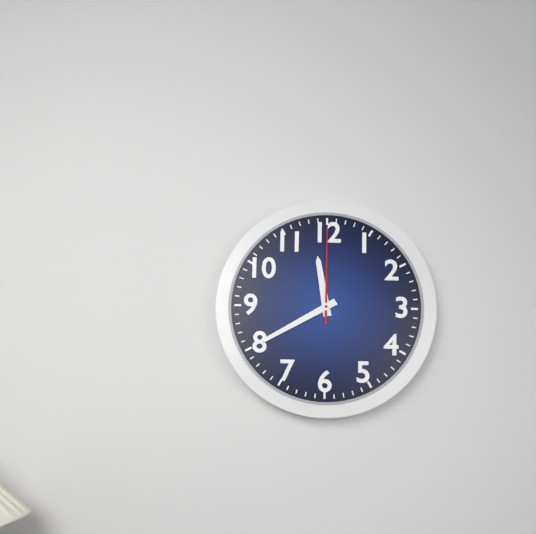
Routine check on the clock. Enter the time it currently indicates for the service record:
11:40:00
